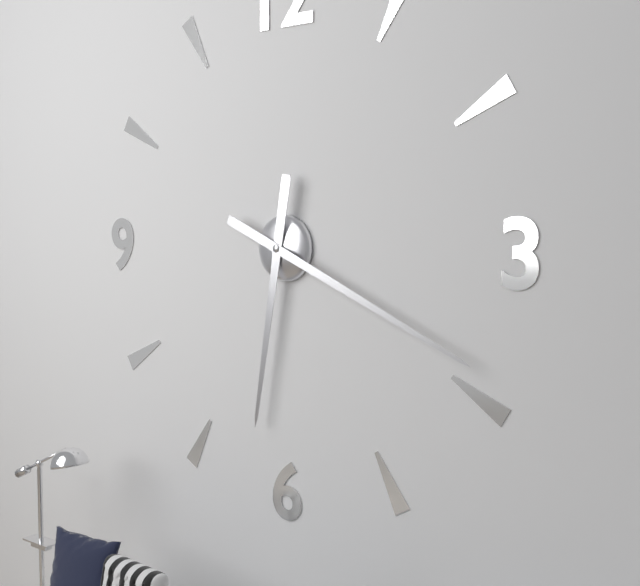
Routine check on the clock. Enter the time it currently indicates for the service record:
6:19
